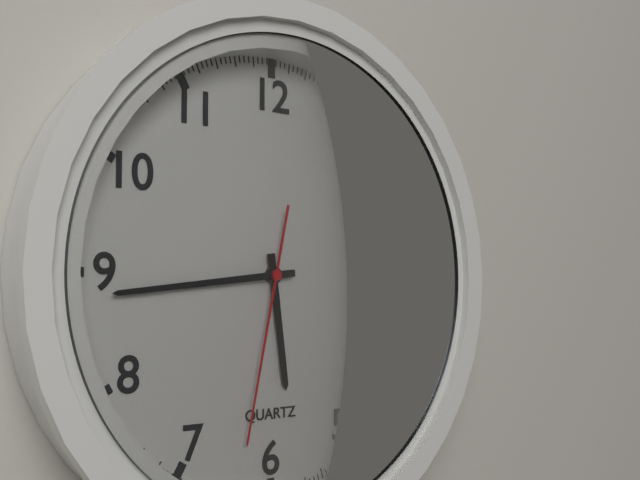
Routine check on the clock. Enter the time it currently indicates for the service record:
5:44:32
